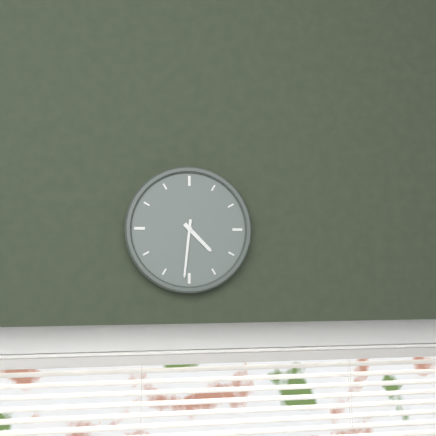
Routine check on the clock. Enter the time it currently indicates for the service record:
4:31
